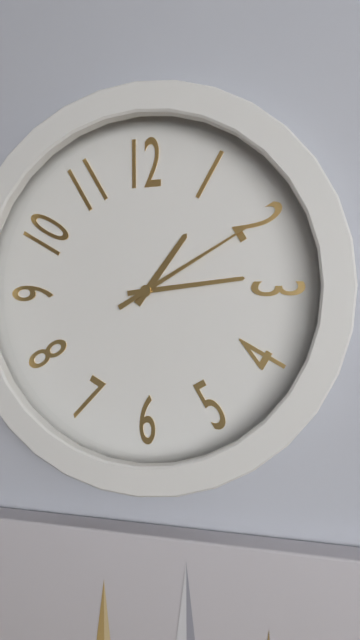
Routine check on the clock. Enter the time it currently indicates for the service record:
1:14:10
